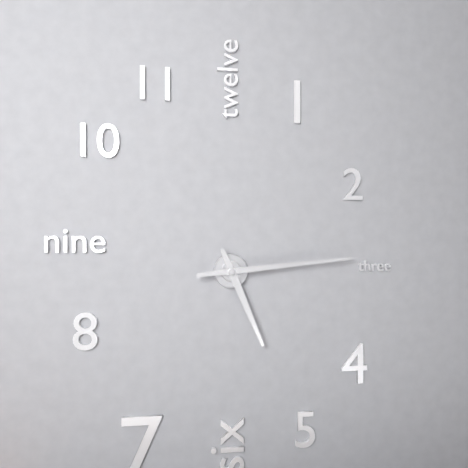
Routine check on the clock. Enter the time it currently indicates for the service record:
5:14
